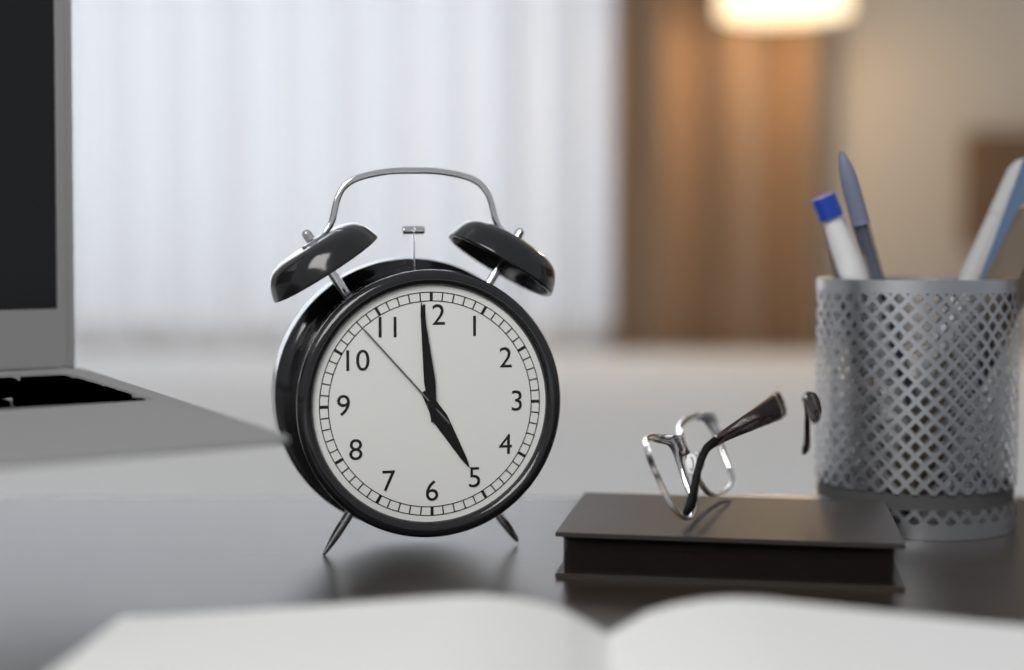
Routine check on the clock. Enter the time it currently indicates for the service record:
4:59:53
